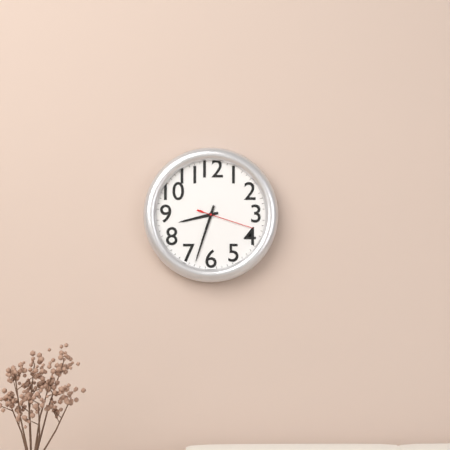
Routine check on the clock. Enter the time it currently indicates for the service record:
8:33:18
